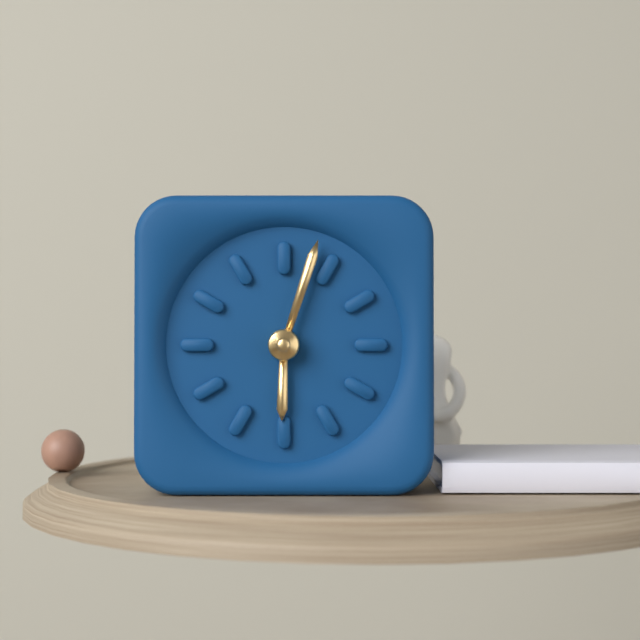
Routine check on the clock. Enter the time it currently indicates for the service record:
6:03
